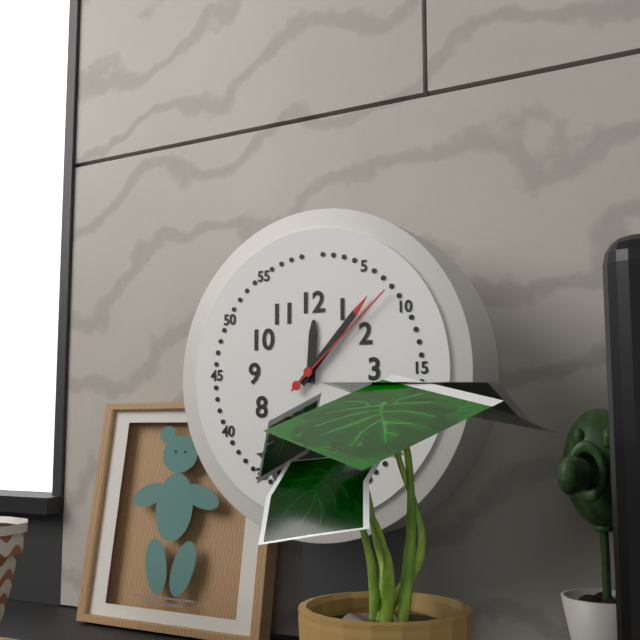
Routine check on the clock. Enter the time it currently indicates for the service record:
12:07:08
